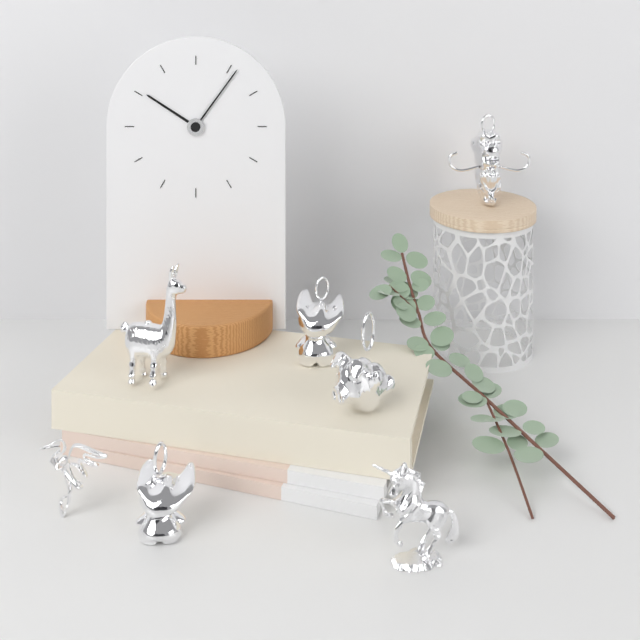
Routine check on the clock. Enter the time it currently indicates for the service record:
10:06
